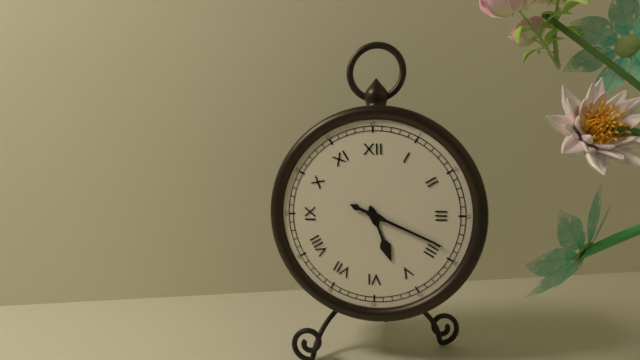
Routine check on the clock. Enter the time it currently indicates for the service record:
5:19
